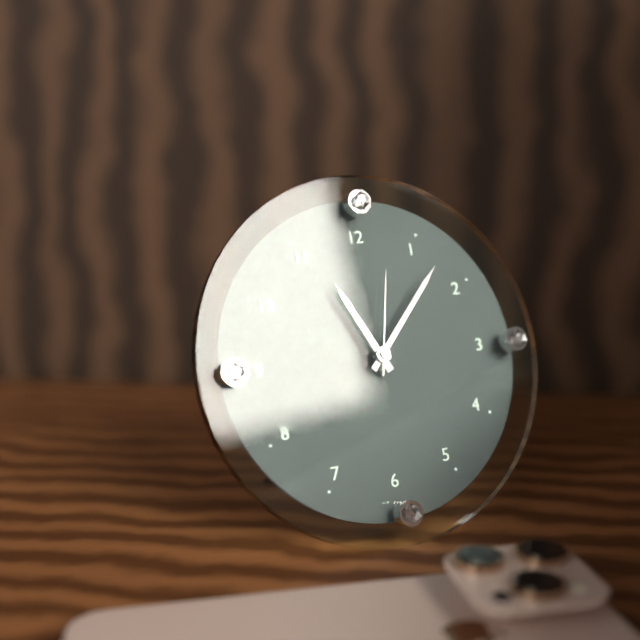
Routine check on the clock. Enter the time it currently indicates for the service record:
11:07:02
